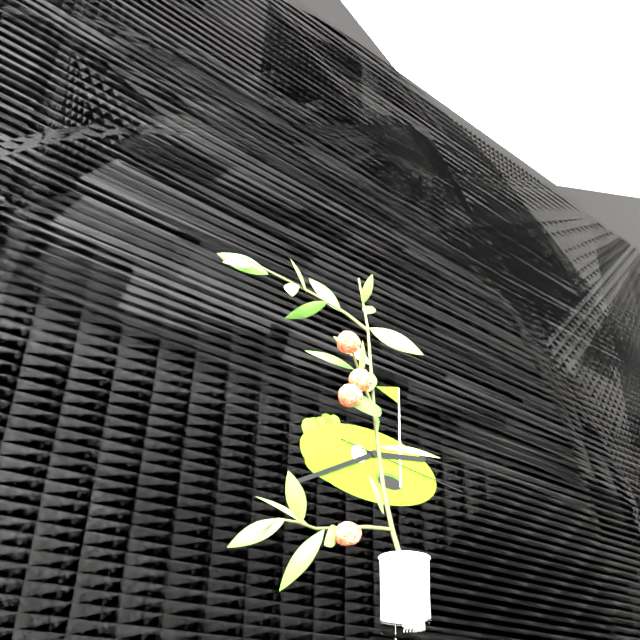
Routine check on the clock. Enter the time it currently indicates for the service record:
2:40:16
